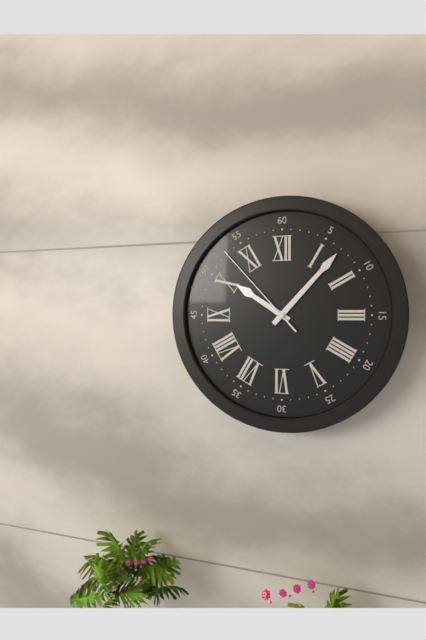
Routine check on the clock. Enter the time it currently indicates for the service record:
10:07:53
